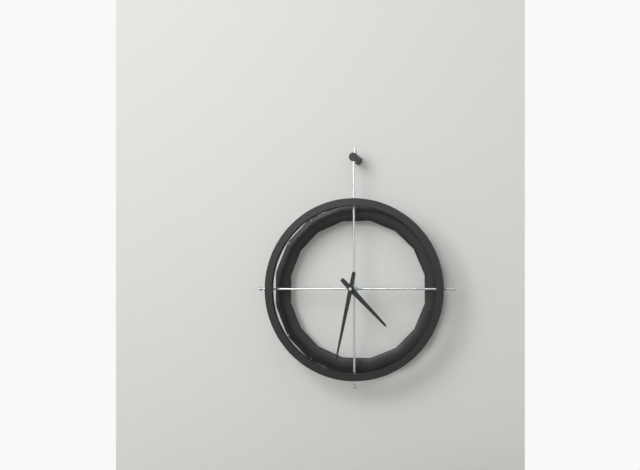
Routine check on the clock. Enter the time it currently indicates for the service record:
4:32
